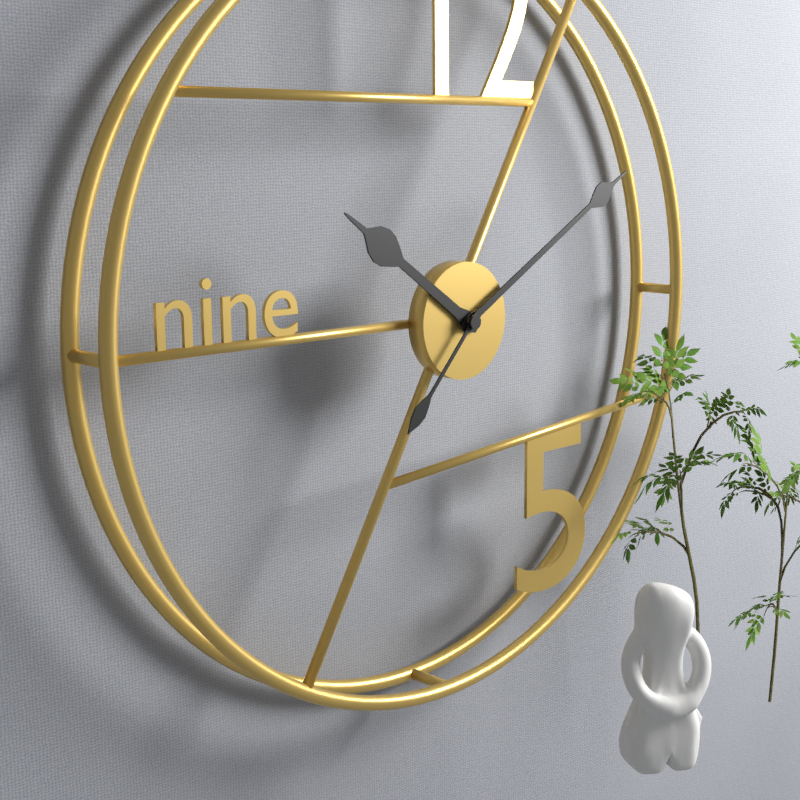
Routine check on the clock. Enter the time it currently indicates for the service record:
10:10:37
